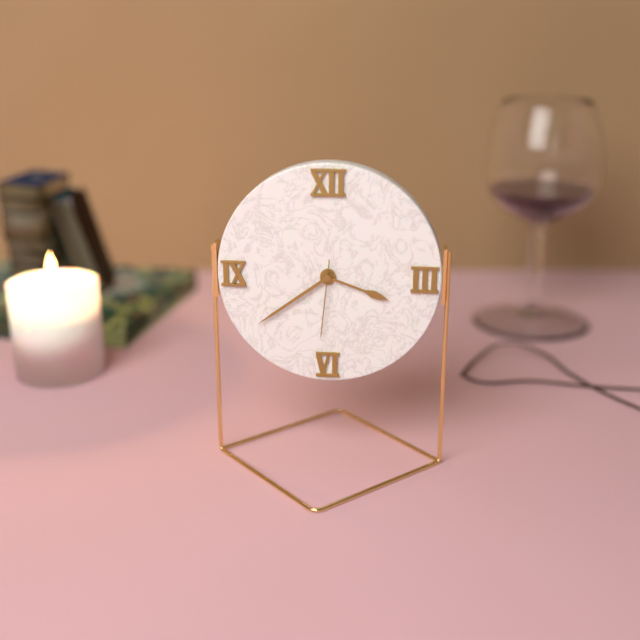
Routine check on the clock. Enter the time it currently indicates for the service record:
3:39:31
